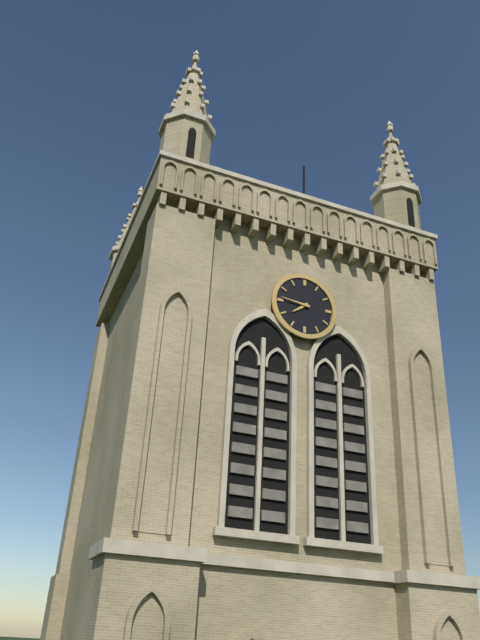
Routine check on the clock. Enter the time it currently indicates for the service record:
7:46
